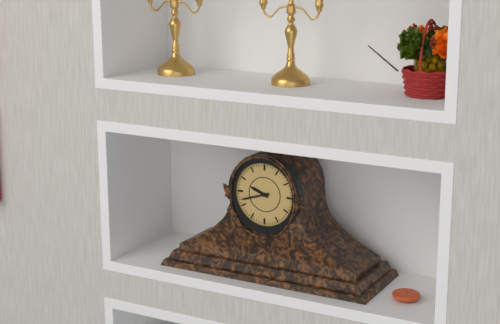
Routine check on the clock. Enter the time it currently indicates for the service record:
9:42
